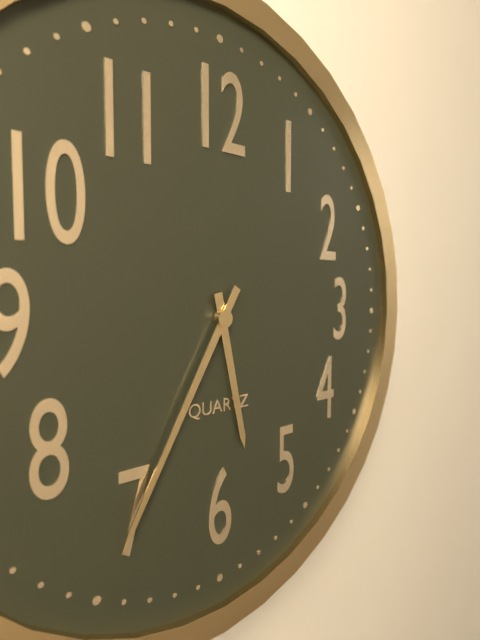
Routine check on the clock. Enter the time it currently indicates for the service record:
5:35
